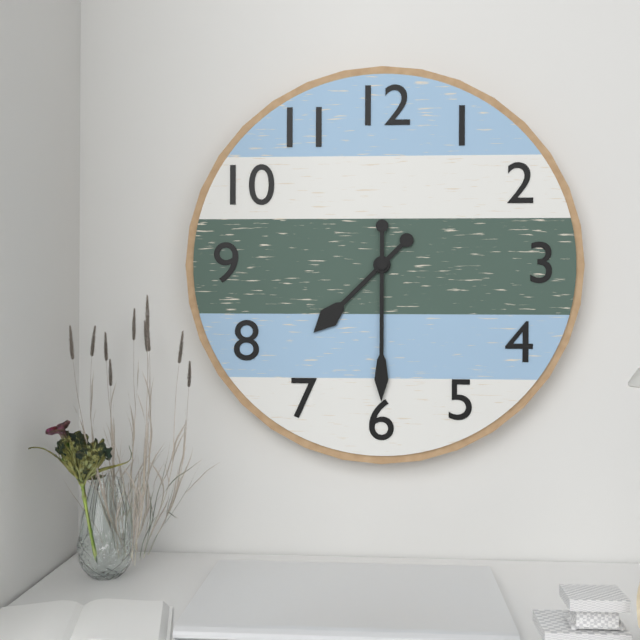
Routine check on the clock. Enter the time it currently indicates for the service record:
7:30
